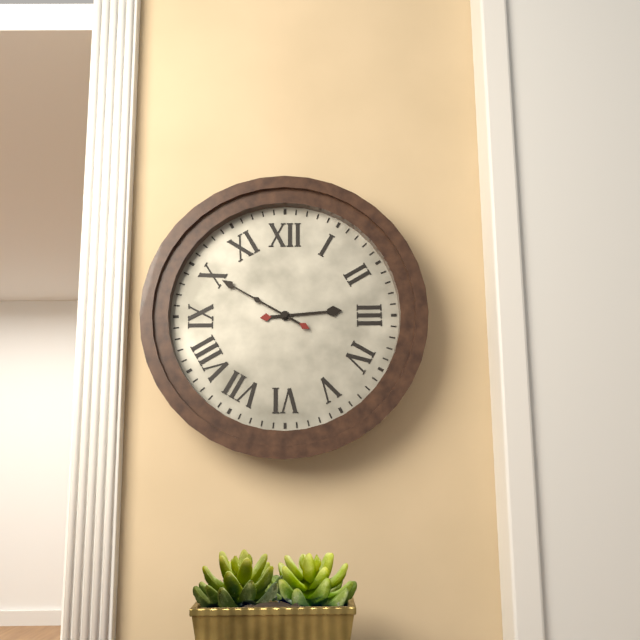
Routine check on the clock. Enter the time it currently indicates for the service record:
2:50
